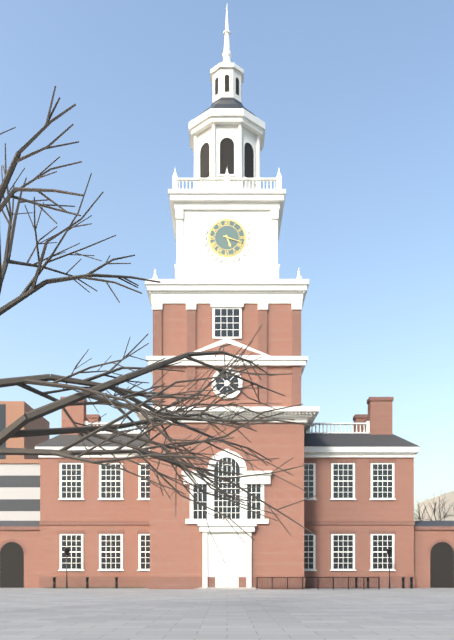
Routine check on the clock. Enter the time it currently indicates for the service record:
5:18
